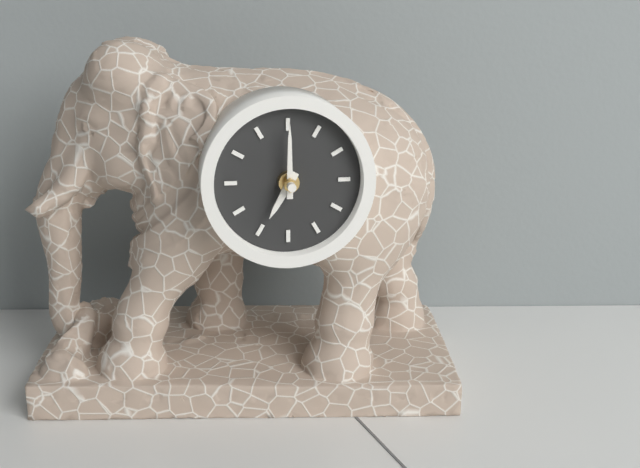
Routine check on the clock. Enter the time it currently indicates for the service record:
7:00
